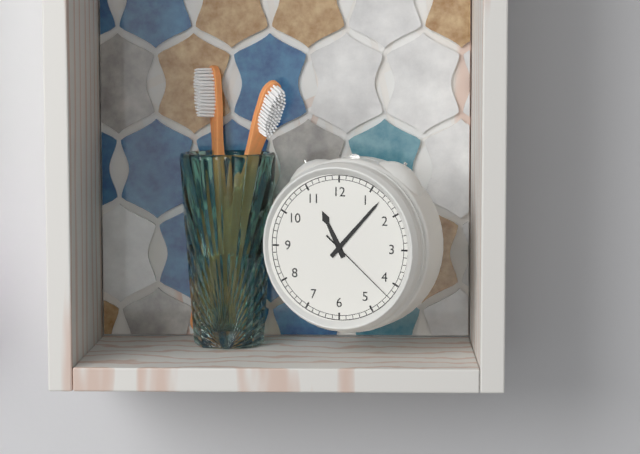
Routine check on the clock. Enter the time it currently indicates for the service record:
11:07:22
